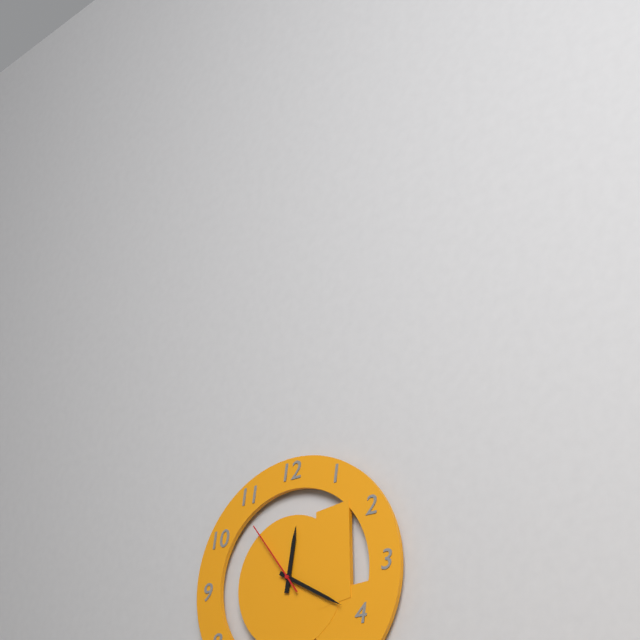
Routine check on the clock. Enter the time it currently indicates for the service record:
12:20:54
